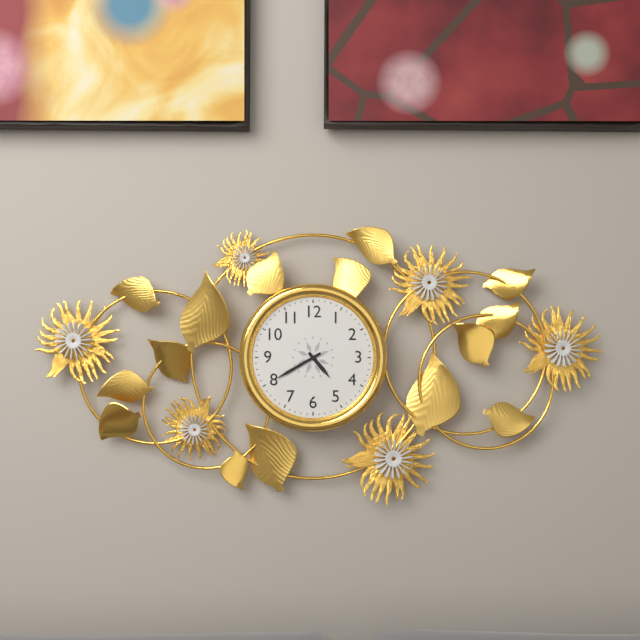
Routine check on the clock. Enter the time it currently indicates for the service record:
4:40
